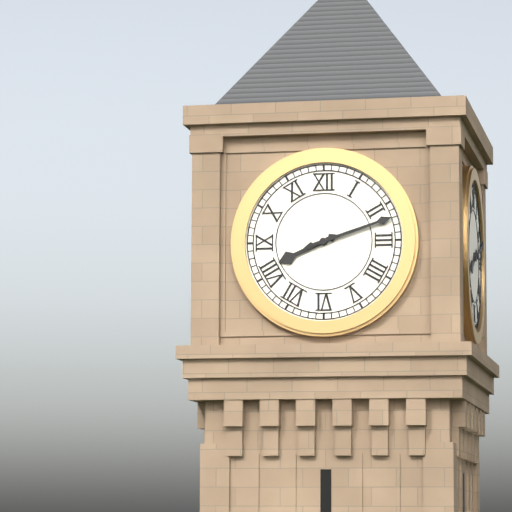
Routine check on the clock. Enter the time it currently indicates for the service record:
8:12
